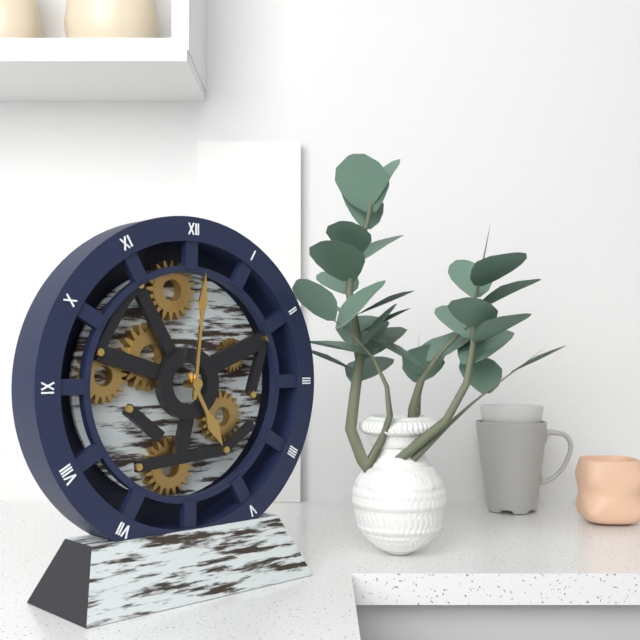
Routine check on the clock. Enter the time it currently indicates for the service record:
5:01
